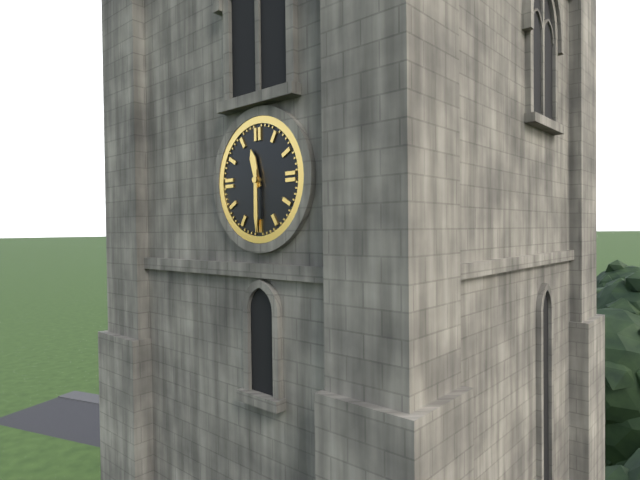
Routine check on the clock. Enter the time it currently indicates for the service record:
11:30
